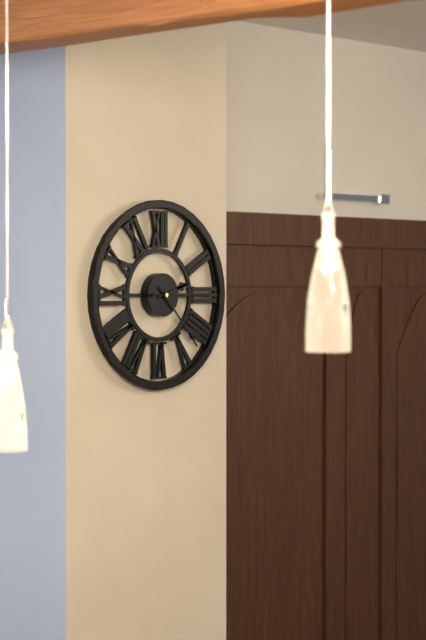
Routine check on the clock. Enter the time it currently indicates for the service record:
2:23:15
